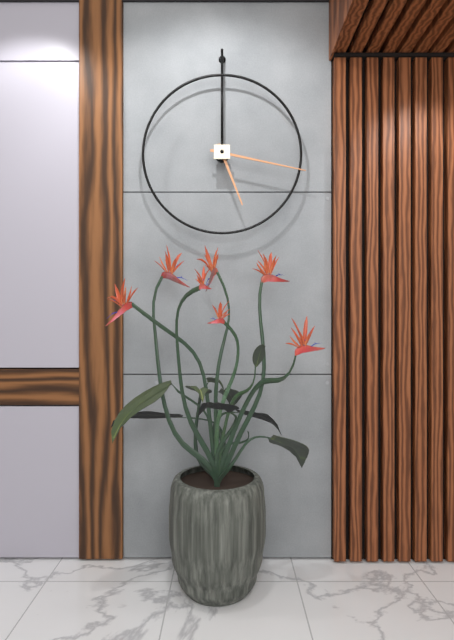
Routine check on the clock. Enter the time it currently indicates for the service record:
5:17
